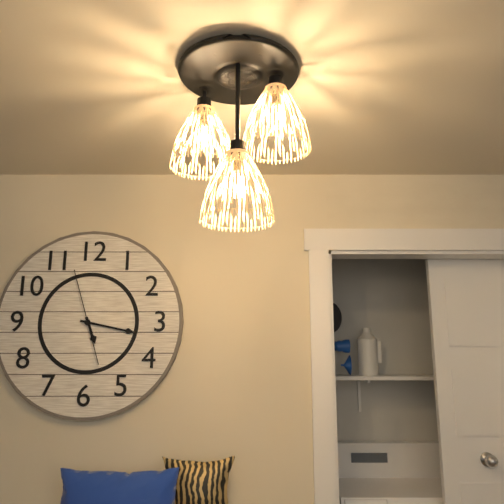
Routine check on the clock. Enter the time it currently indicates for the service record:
5:17:57
